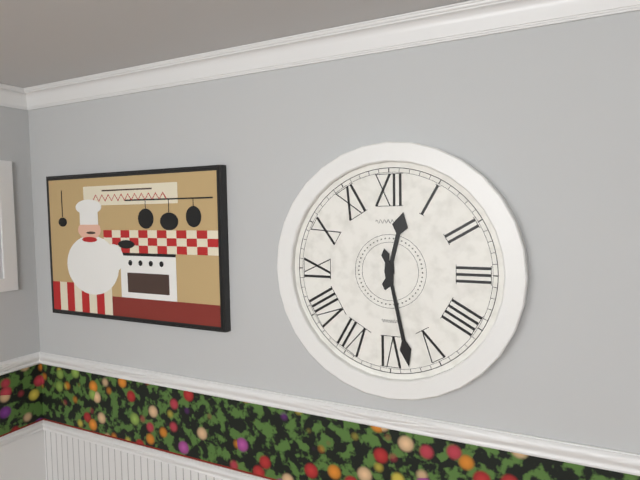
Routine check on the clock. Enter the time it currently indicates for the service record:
12:28
